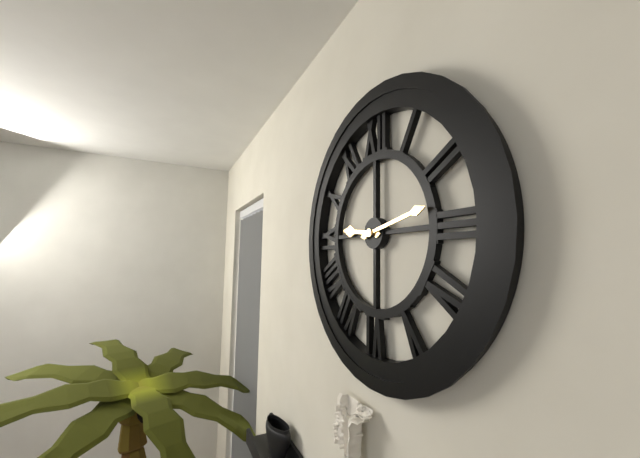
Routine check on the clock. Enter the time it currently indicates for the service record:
9:13
